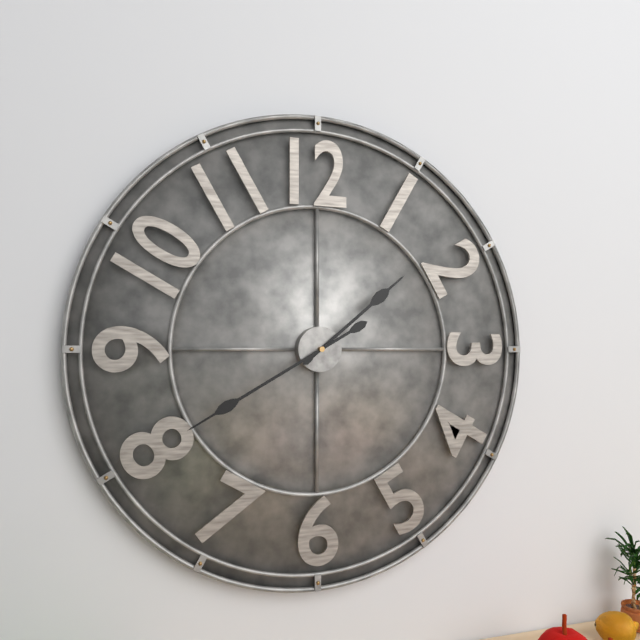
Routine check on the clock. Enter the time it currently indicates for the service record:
1:40
